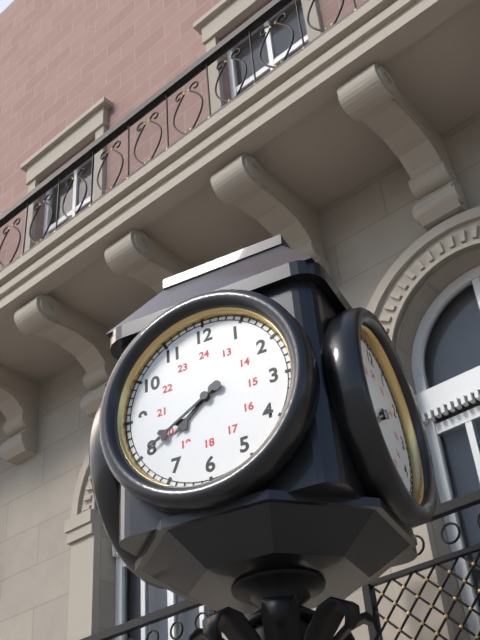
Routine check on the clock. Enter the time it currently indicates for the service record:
7:40
